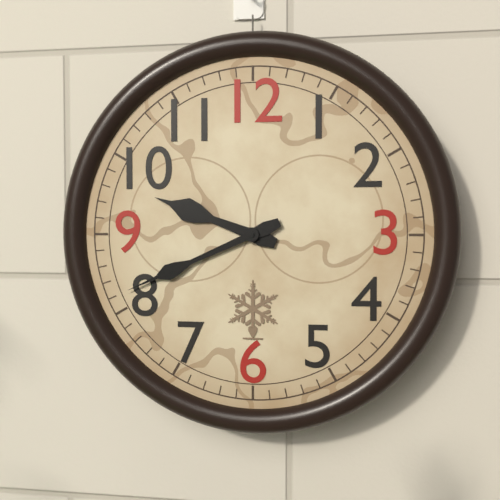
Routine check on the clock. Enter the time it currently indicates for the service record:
9:41
